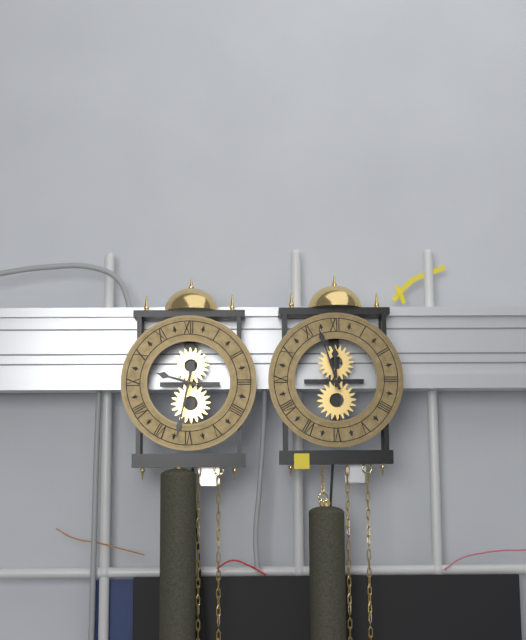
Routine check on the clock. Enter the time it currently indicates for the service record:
9:32
